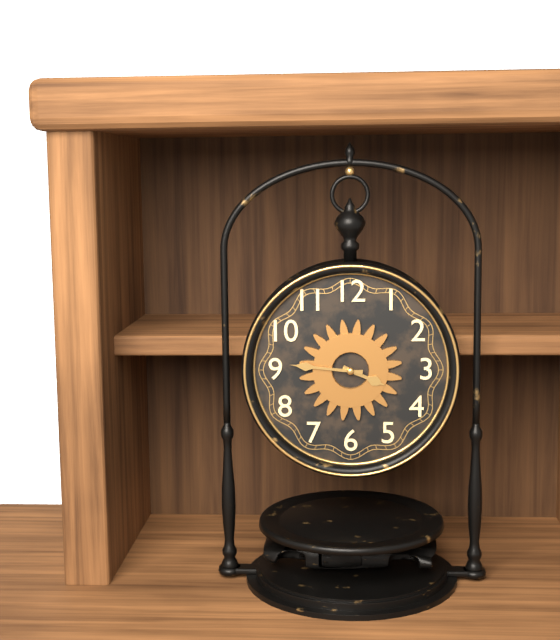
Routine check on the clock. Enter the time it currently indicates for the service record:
3:46
